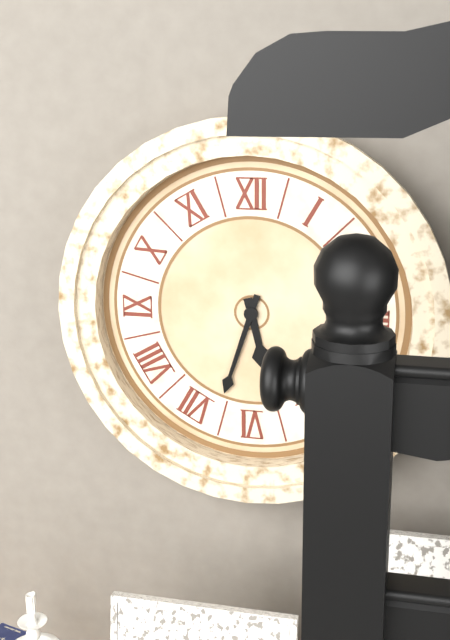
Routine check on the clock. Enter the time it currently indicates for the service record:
5:33
